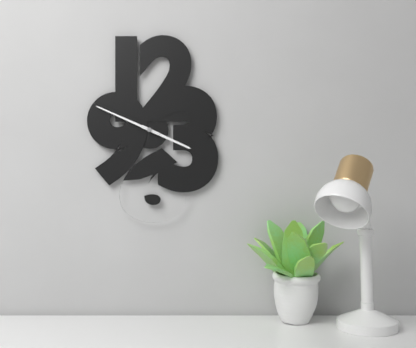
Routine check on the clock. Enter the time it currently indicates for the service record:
3:49
